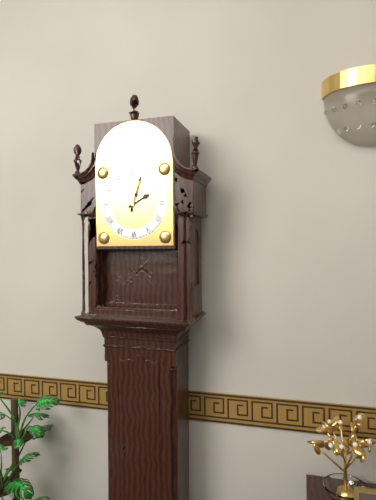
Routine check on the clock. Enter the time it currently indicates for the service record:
2:03
